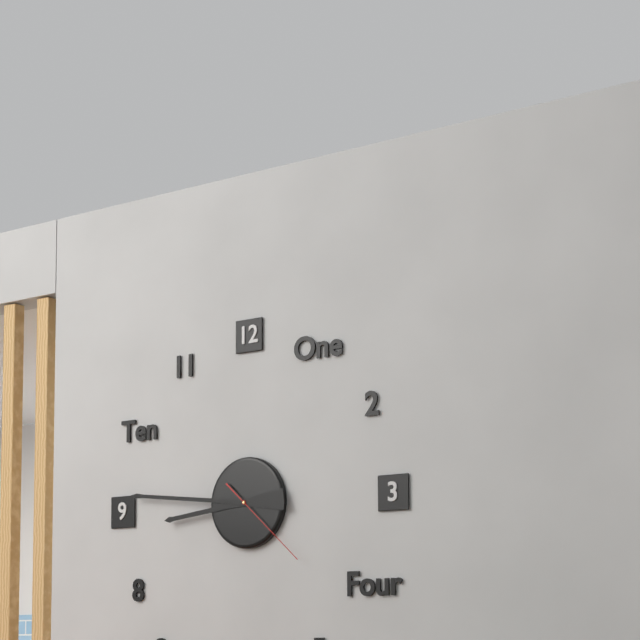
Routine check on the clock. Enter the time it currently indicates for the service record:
8:46:22
